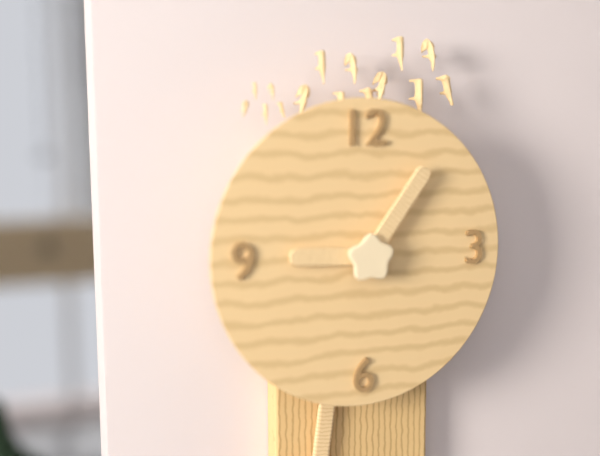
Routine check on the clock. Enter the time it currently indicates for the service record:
9:06
